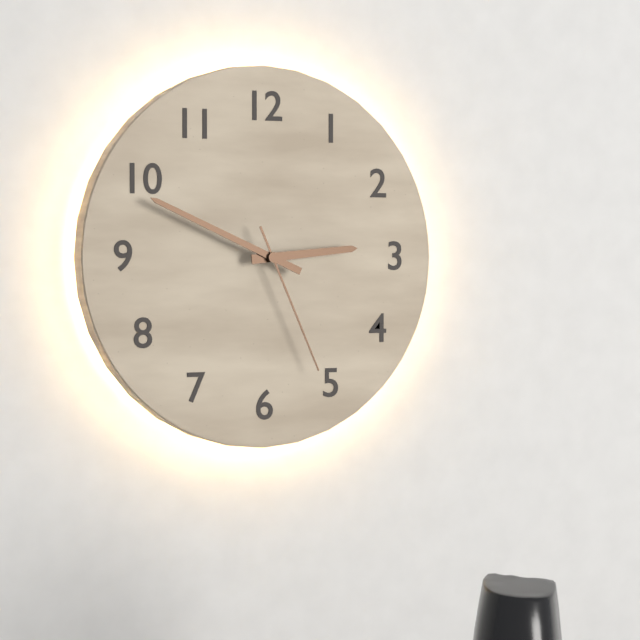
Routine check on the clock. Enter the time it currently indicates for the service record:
2:49:26
